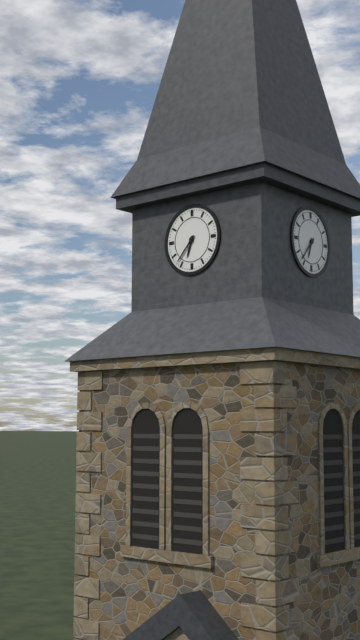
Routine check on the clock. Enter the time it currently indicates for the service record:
6:37
